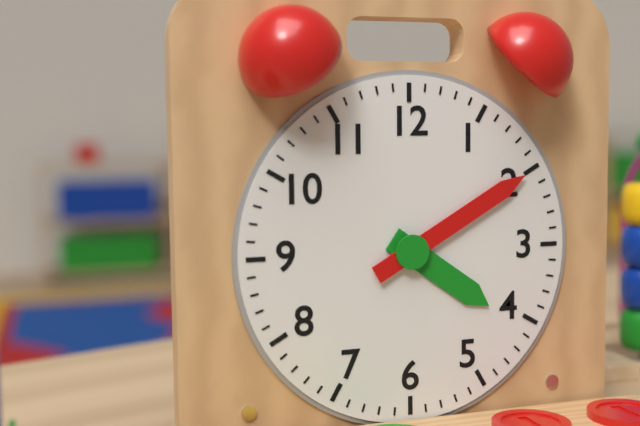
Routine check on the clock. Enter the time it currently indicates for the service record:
4:10
